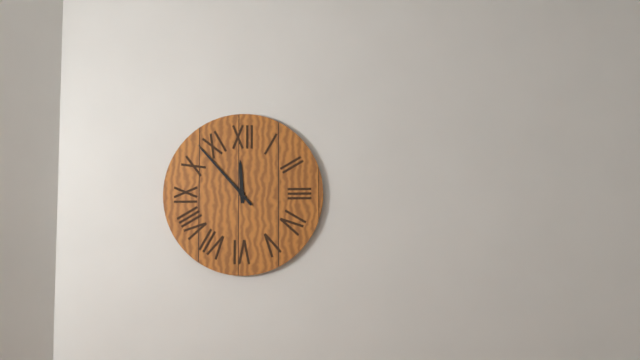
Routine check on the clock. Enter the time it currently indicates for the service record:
11:53
